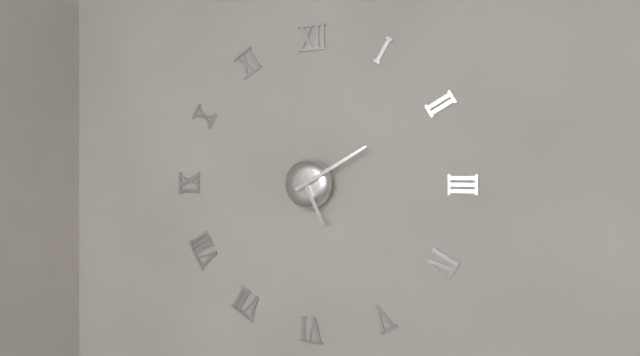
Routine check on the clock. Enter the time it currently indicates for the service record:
5:10
